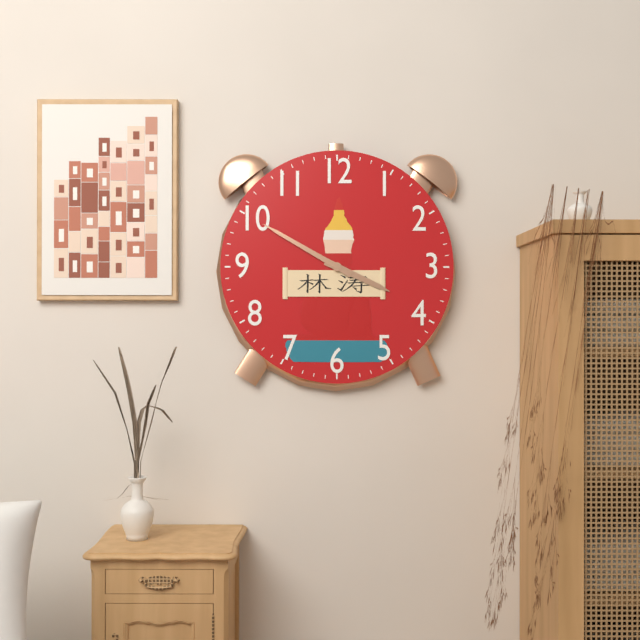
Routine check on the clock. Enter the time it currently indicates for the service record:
3:50
